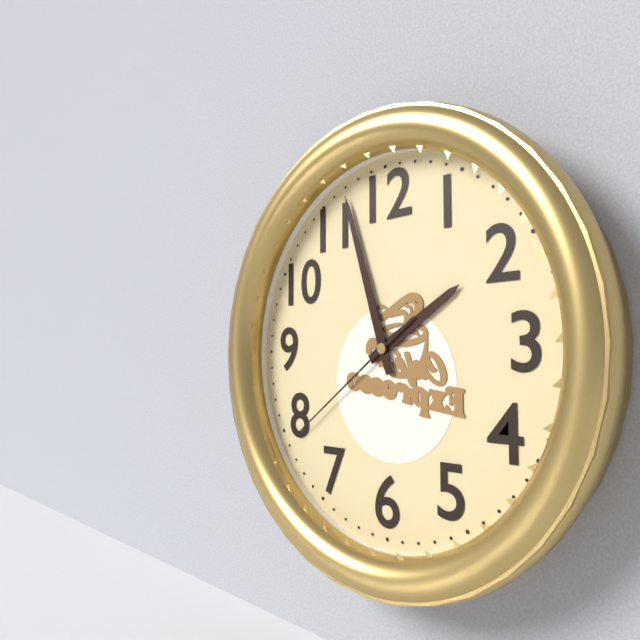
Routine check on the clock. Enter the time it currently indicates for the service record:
1:57:39
